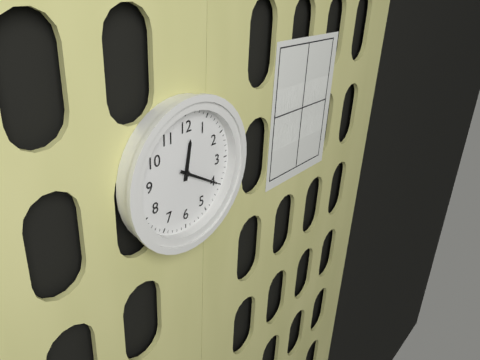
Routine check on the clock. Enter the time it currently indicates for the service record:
12:20
